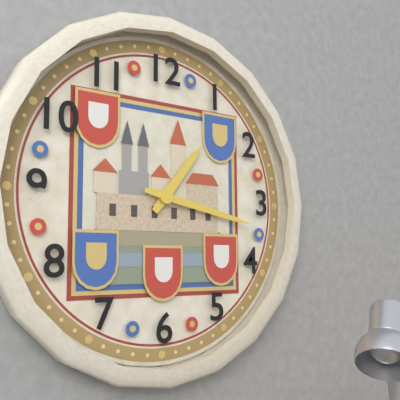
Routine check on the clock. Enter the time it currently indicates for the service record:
1:17
